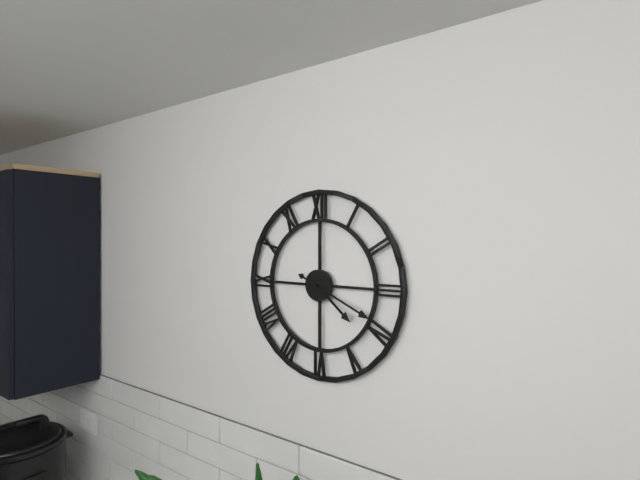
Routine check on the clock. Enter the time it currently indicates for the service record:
4:19
